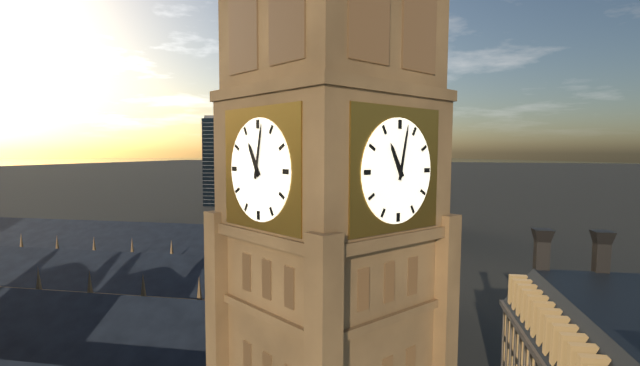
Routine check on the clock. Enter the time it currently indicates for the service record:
11:02
